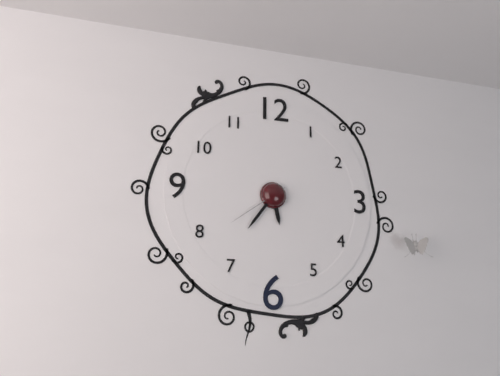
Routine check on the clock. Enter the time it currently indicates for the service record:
5:36:39
